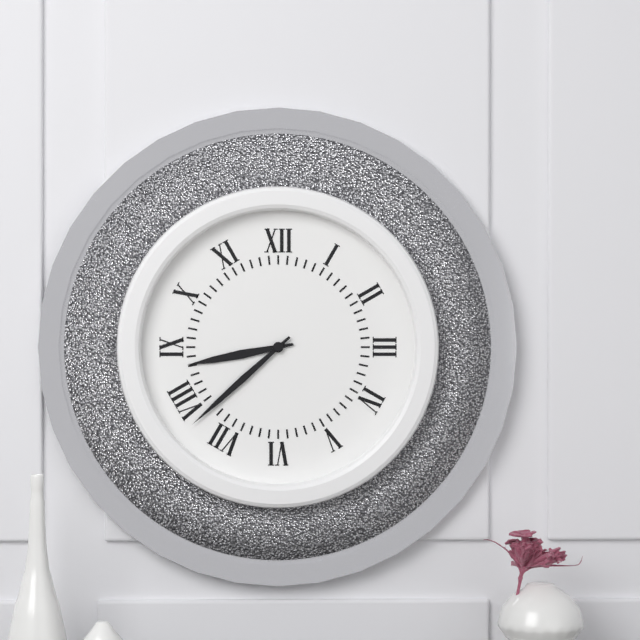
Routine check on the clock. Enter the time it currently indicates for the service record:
8:38
